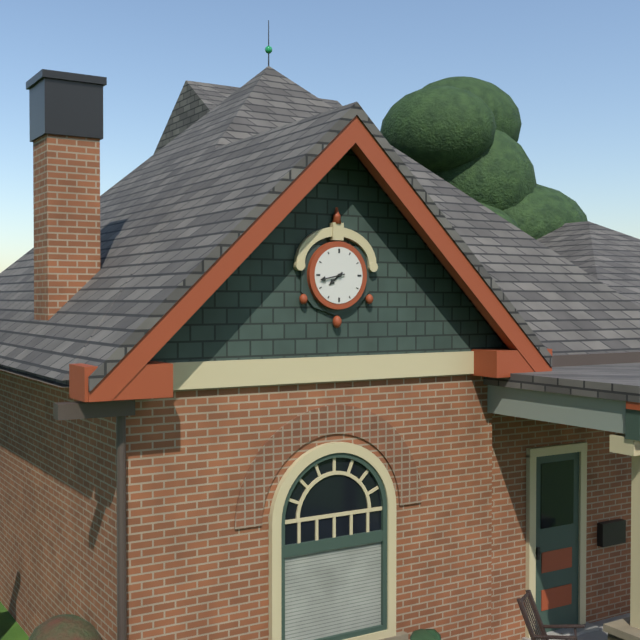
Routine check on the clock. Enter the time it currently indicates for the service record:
7:43
